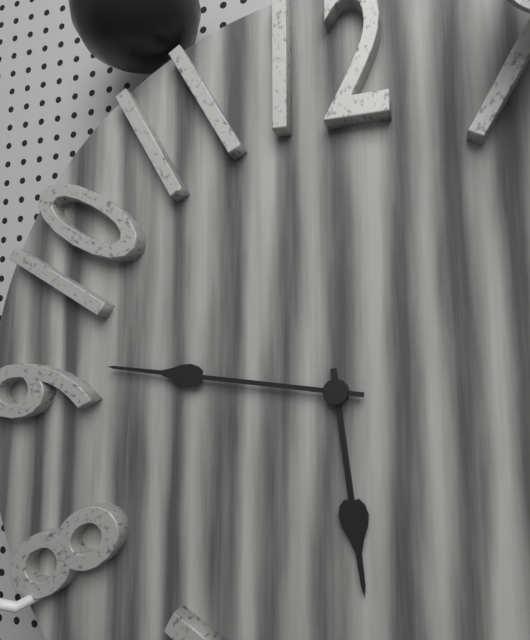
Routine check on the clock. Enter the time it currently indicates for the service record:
5:46
